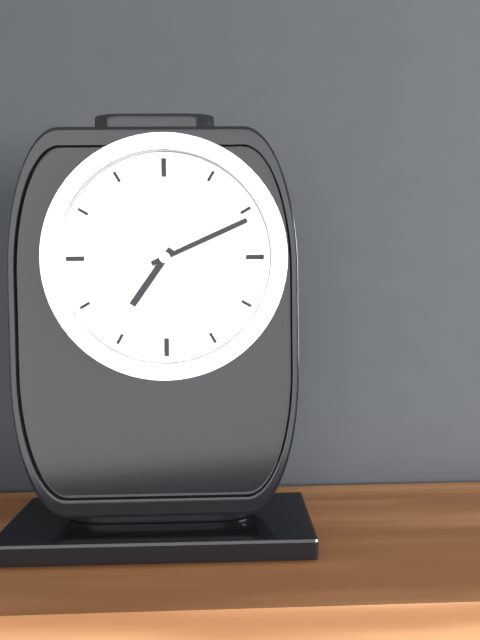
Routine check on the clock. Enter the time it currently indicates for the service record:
7:11
